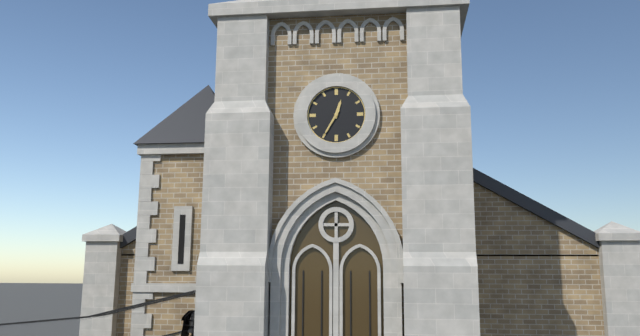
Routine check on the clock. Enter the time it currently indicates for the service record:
12:35
